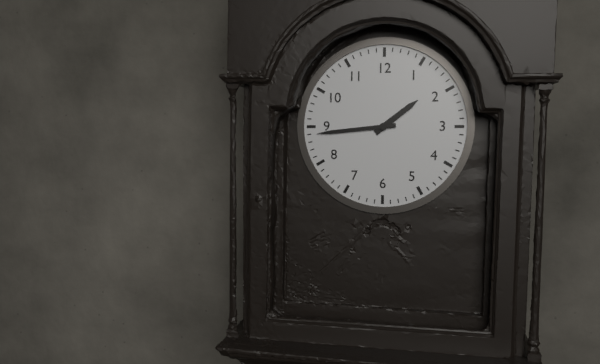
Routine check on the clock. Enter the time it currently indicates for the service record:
1:44
